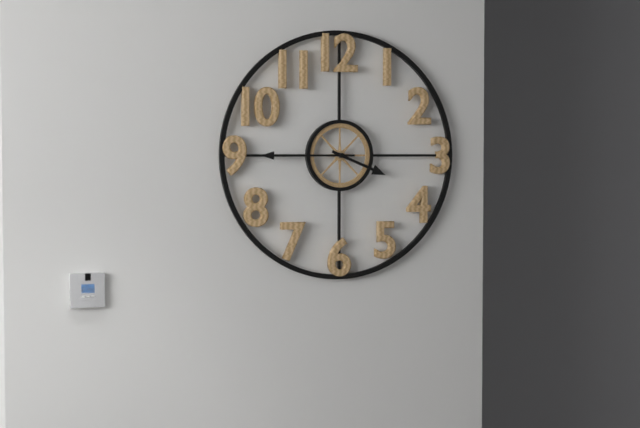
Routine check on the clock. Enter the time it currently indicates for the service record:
3:45
